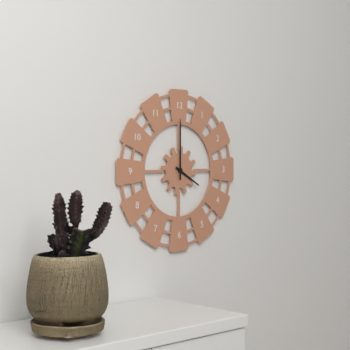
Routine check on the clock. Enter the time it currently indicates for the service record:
4:00
